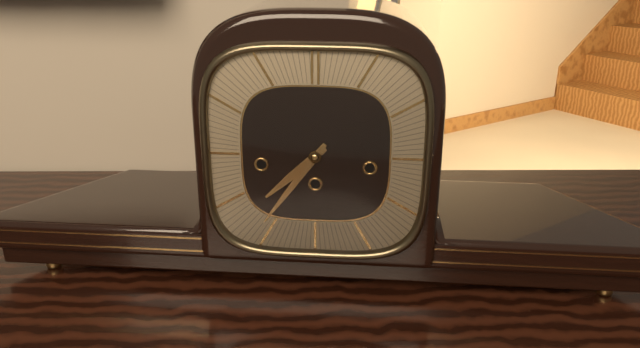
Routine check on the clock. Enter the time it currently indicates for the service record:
7:36
